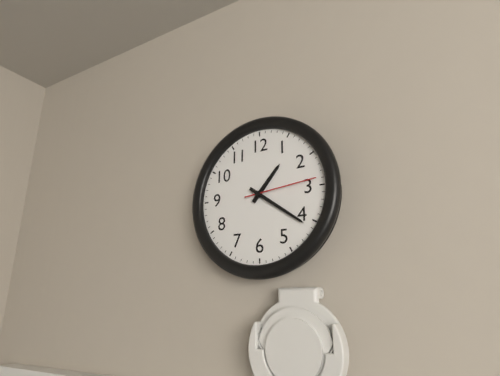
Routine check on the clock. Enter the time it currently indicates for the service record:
1:21:14
